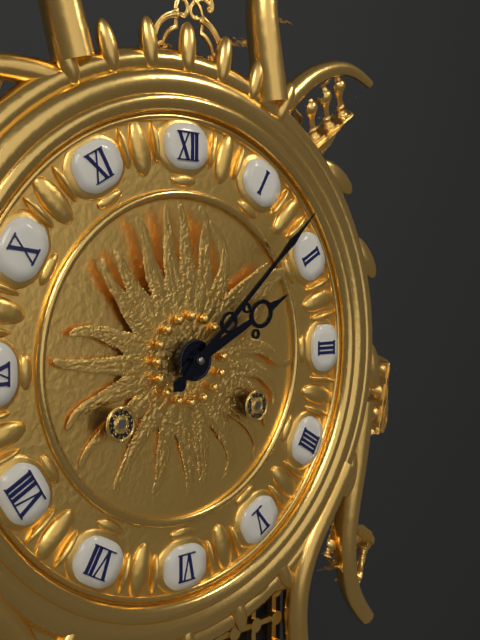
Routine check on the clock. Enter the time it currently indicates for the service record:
2:08
